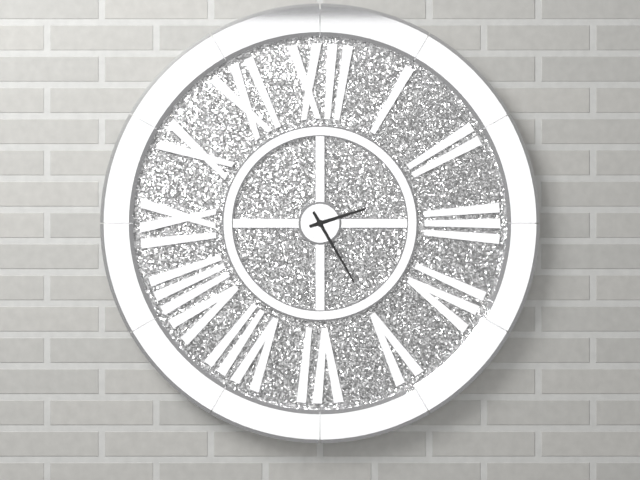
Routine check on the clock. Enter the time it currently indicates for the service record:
2:25
